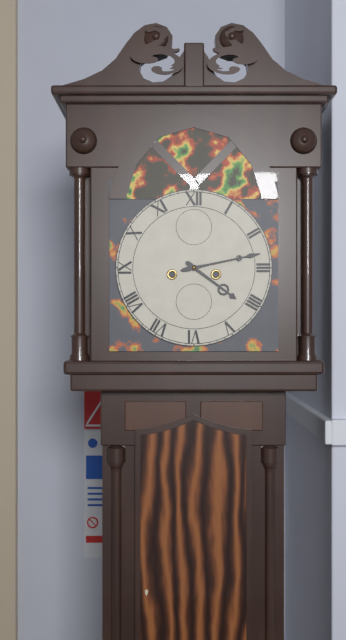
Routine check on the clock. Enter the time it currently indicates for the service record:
4:13
